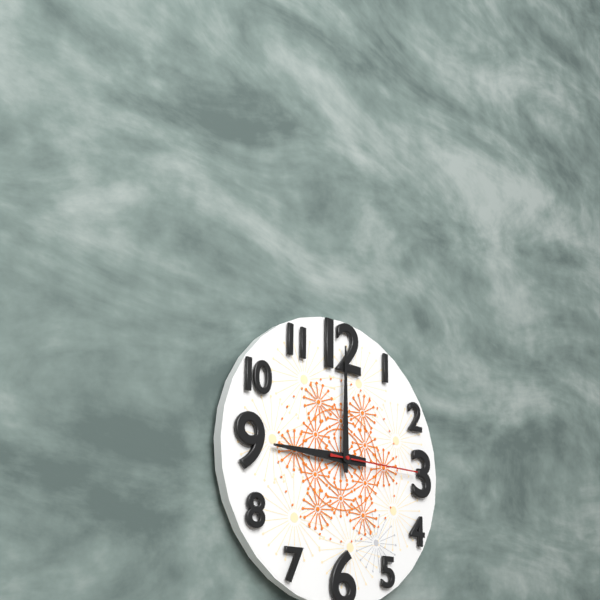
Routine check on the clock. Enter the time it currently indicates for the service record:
9:00:15
